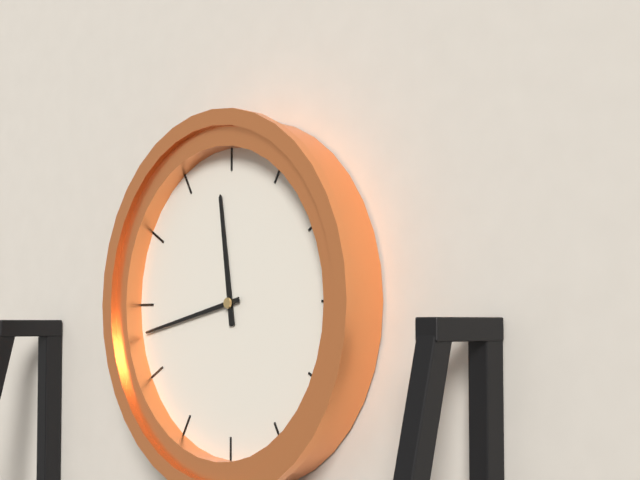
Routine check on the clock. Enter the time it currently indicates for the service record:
11:43
